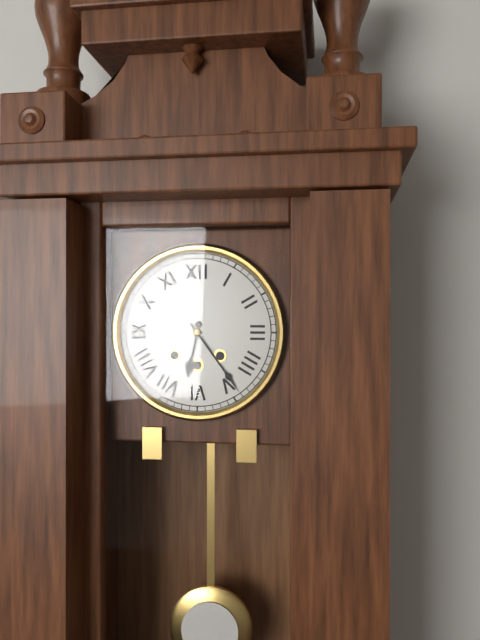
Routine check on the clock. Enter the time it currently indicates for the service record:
6:24
